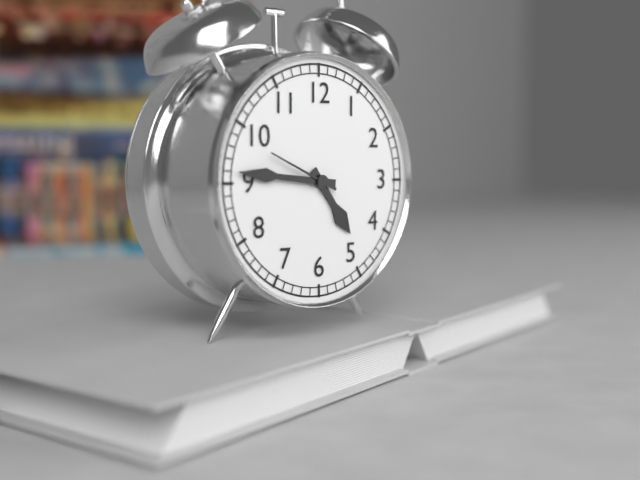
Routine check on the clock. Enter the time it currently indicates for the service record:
4:46:49
